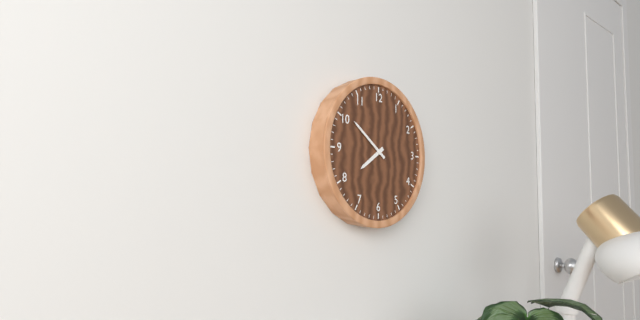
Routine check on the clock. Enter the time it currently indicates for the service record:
7:51
